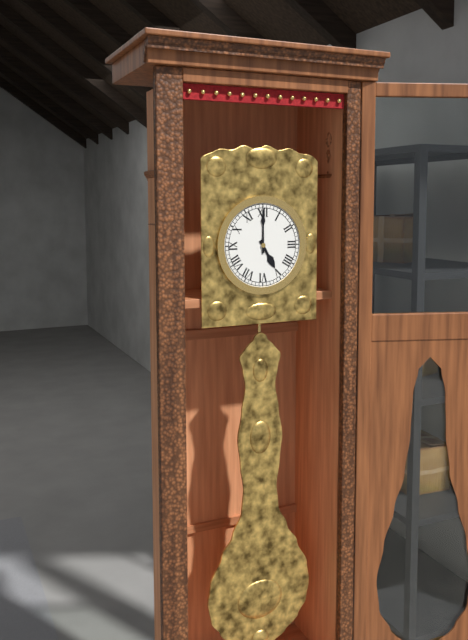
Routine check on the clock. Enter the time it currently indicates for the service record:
5:00
